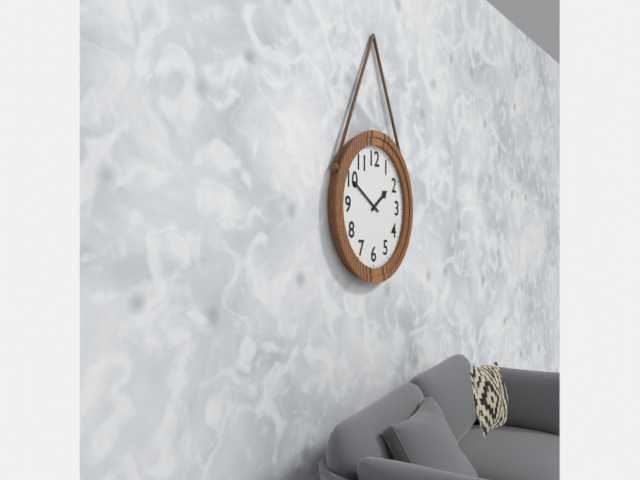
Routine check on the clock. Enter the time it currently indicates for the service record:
1:50
